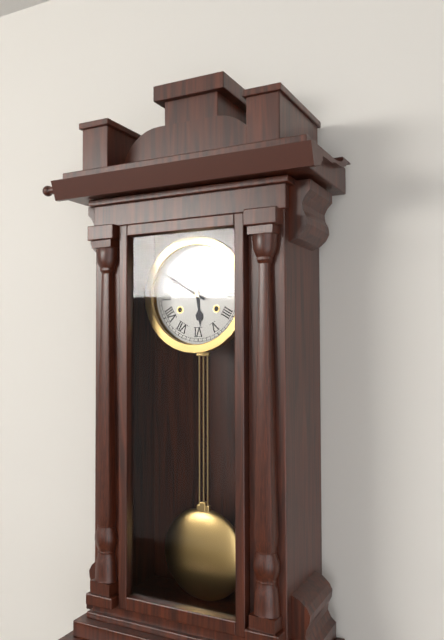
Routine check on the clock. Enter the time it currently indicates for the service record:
5:50
